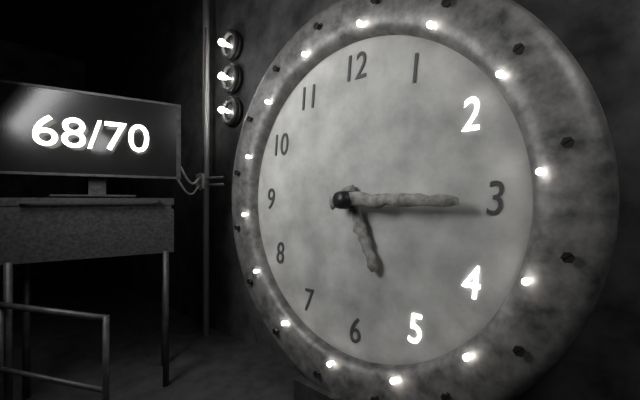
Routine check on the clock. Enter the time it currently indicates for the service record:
5:15
